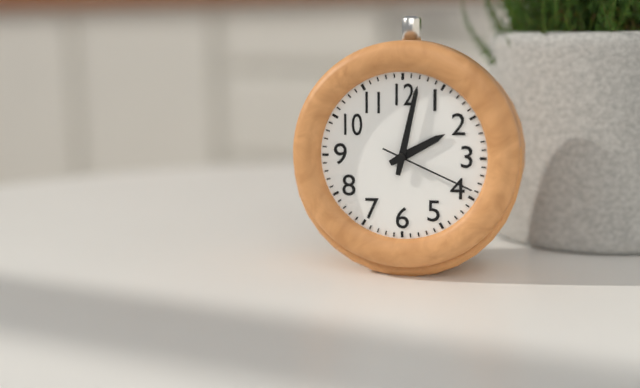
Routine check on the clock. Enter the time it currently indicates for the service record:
2:02:19
